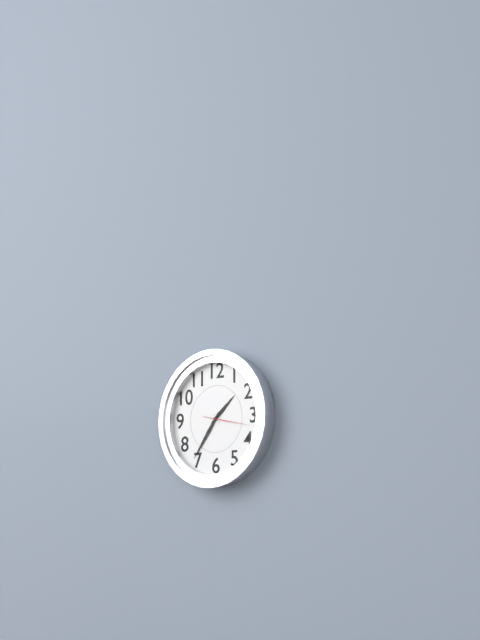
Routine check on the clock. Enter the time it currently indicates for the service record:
1:36
